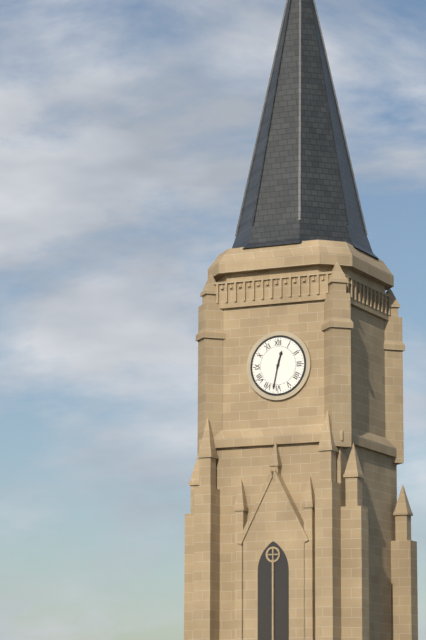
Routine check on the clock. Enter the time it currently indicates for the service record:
12:32
